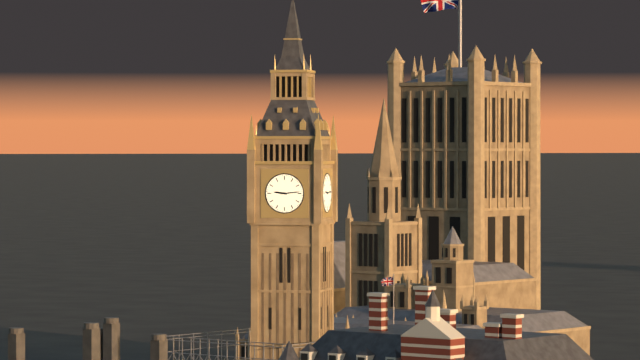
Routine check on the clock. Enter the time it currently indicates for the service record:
9:14
